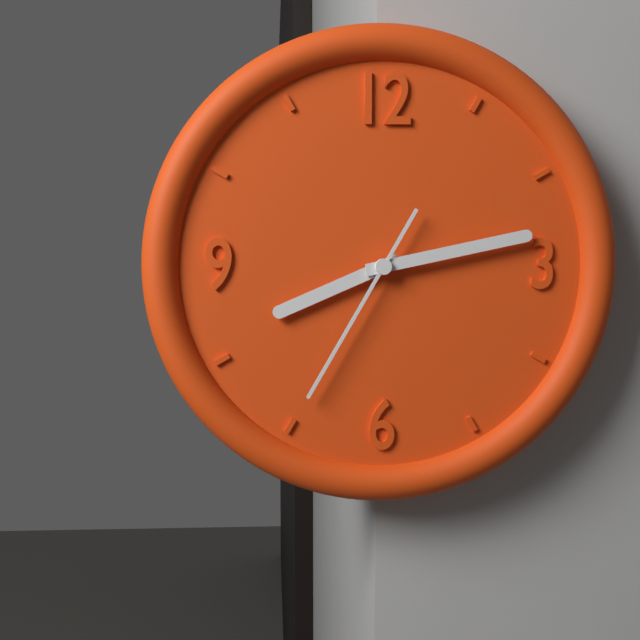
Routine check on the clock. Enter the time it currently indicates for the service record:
8:13:35
